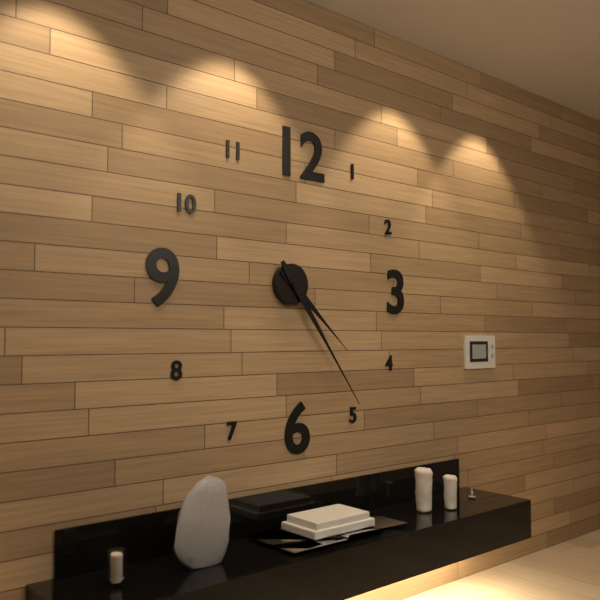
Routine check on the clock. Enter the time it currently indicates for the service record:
4:24
